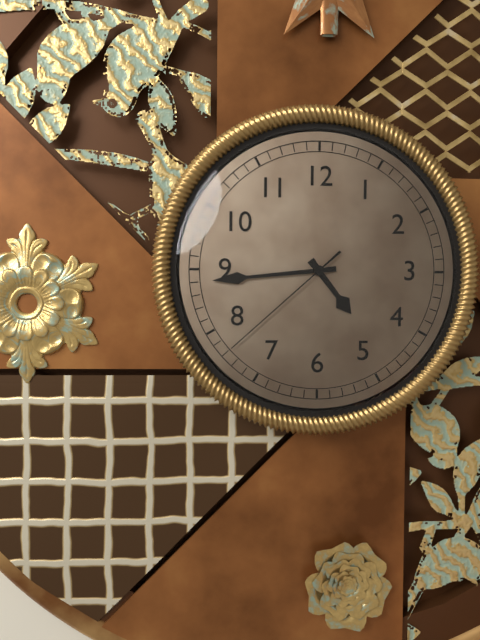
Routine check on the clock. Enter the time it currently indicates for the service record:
4:44:38
